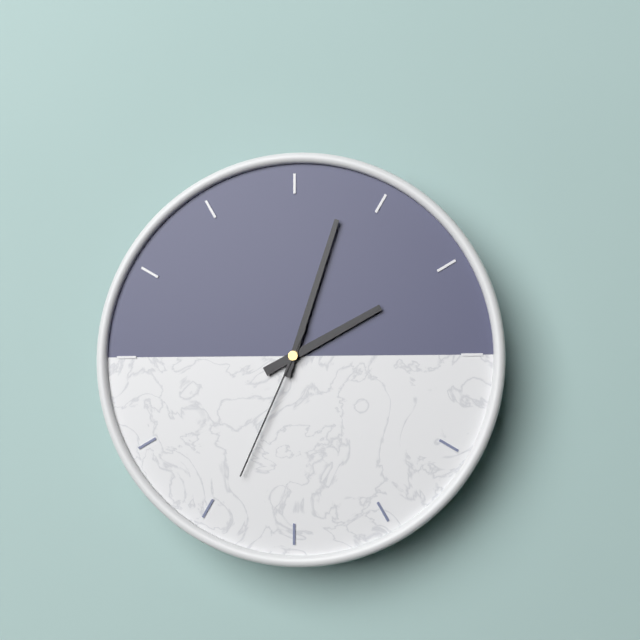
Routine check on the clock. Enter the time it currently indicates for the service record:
2:03:34
